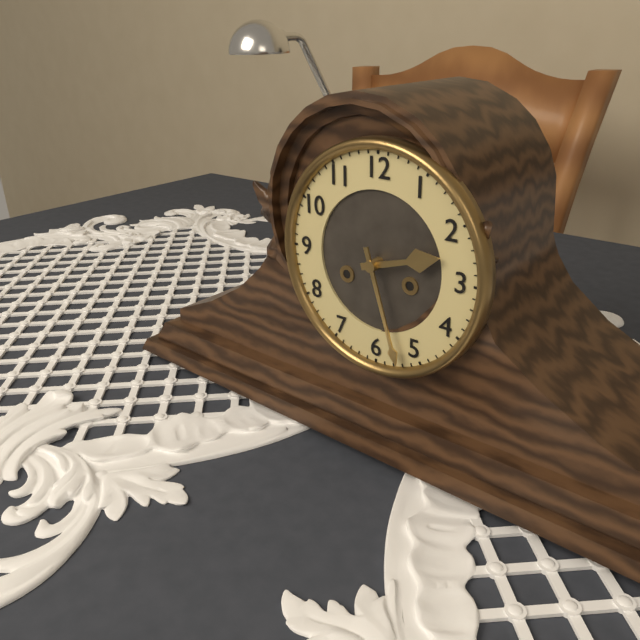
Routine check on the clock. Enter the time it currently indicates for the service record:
2:27
